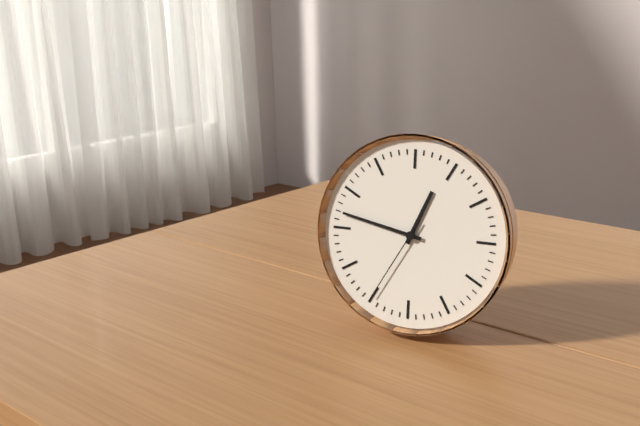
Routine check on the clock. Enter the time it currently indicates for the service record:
12:47:35
